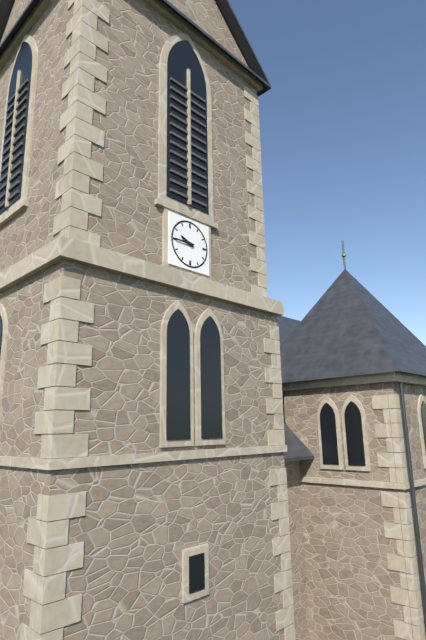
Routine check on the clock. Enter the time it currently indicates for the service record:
9:45
